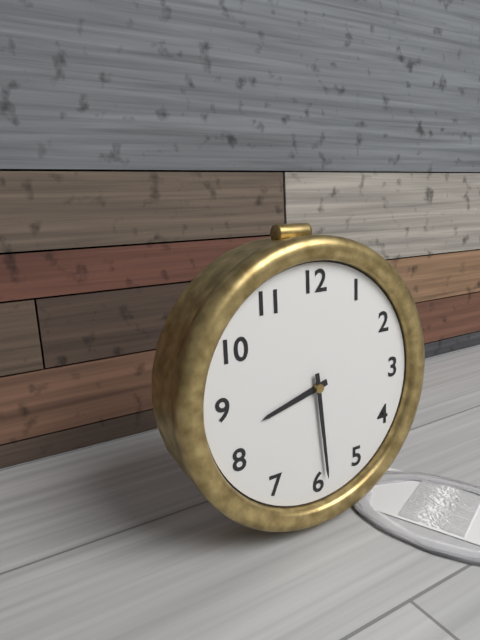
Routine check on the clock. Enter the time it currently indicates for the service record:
8:29
